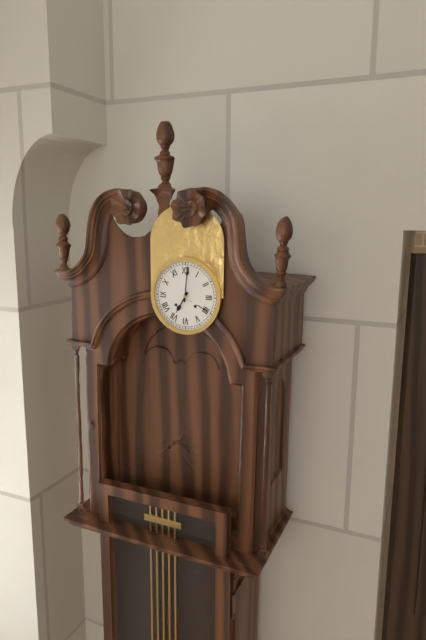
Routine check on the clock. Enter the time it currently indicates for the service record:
7:01
